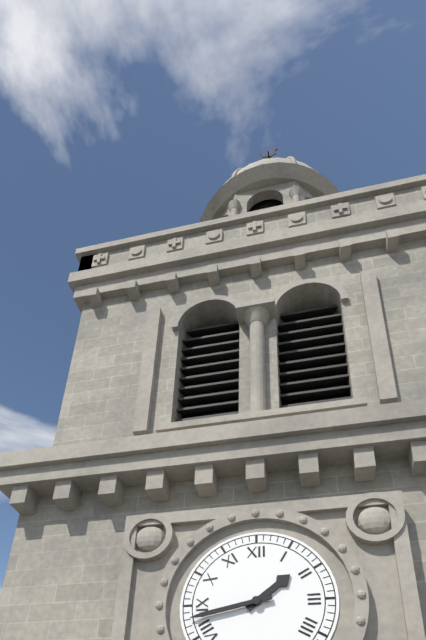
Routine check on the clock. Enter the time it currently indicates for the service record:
1:43
